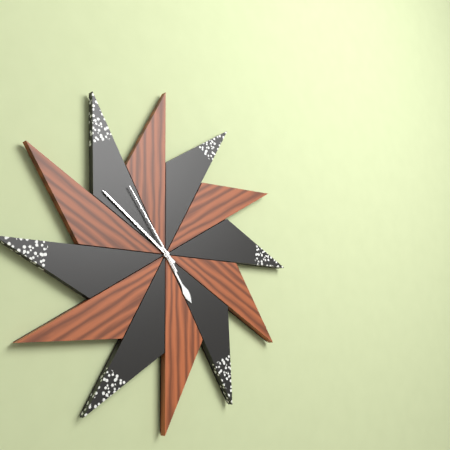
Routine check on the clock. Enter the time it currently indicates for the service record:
4:51:54
